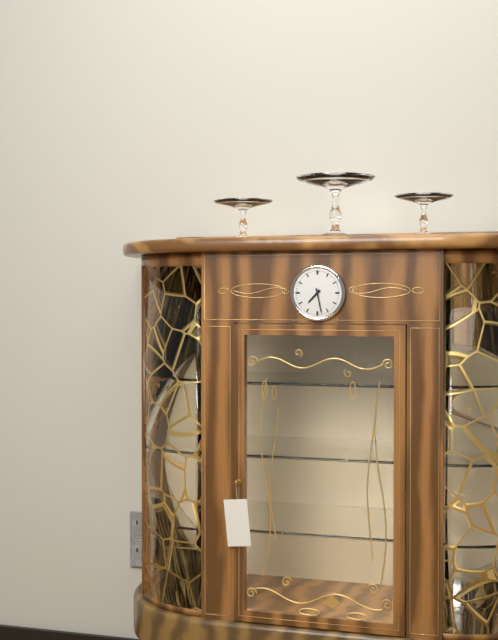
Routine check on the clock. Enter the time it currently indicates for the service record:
7:28
